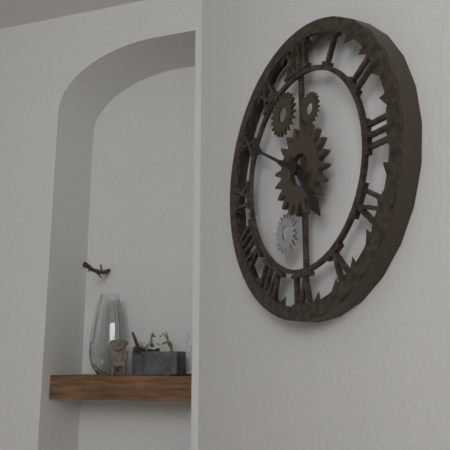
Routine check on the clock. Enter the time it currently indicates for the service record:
4:50
